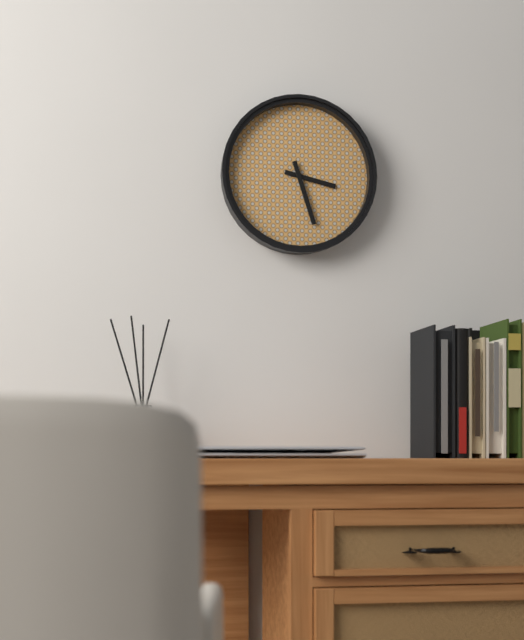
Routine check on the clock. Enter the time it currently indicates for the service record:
3:27
